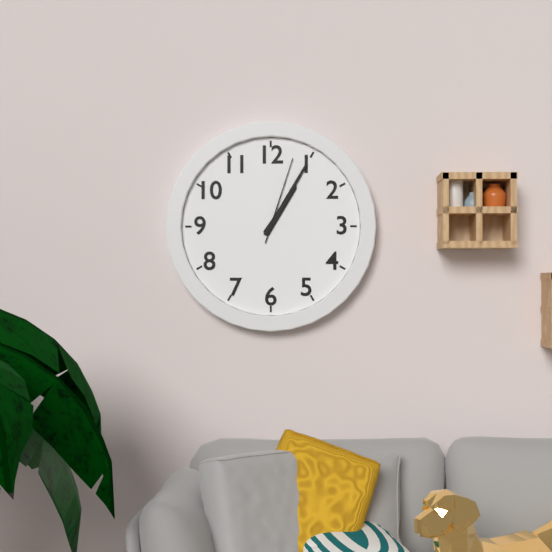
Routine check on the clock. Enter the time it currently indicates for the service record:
1:05:03
